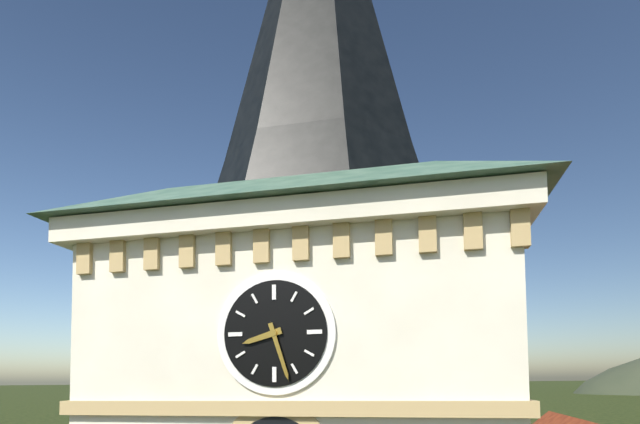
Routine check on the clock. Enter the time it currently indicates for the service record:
8:27
